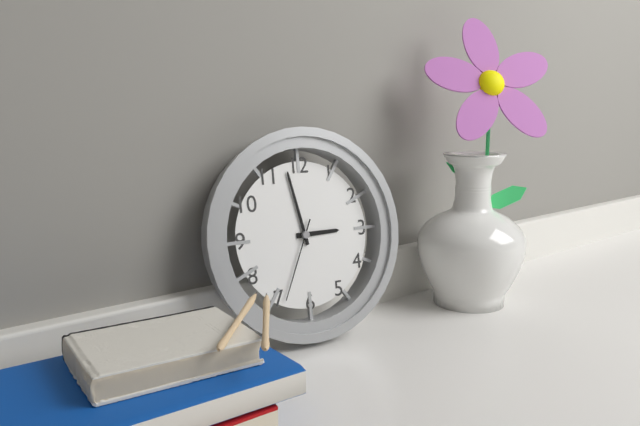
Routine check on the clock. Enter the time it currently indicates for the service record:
2:58:34
